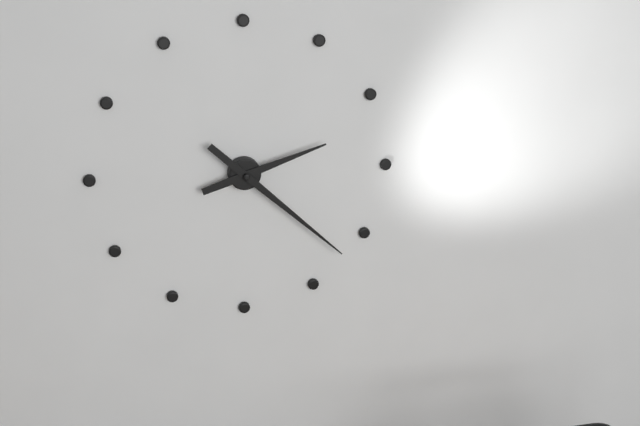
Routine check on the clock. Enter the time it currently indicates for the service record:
2:22
